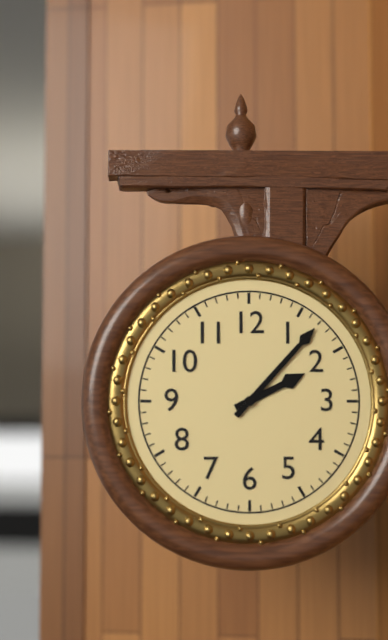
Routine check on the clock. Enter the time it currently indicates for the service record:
2:07
